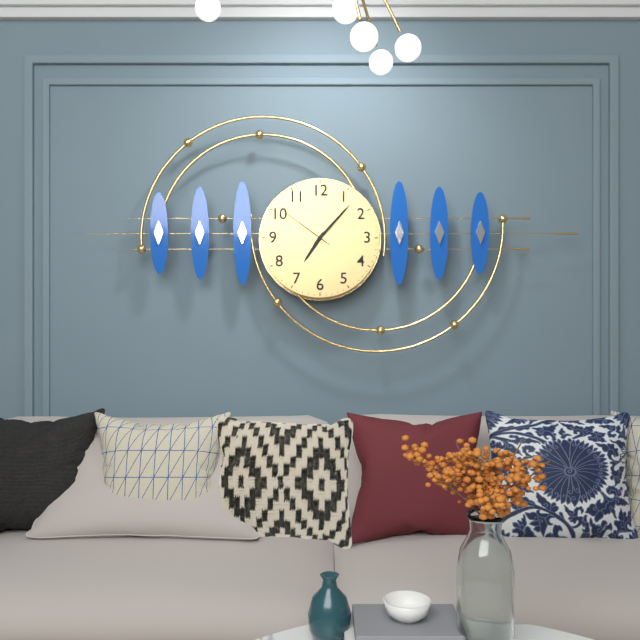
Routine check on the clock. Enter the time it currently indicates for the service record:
7:07:51
